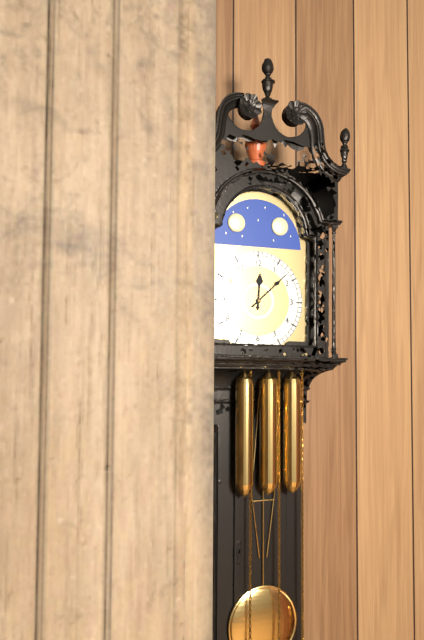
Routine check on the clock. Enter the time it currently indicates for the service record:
12:08
